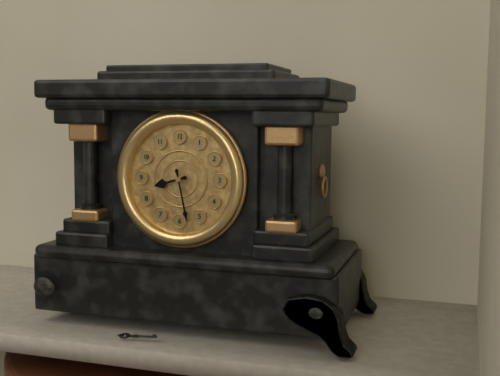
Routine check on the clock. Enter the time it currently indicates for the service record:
8:28
